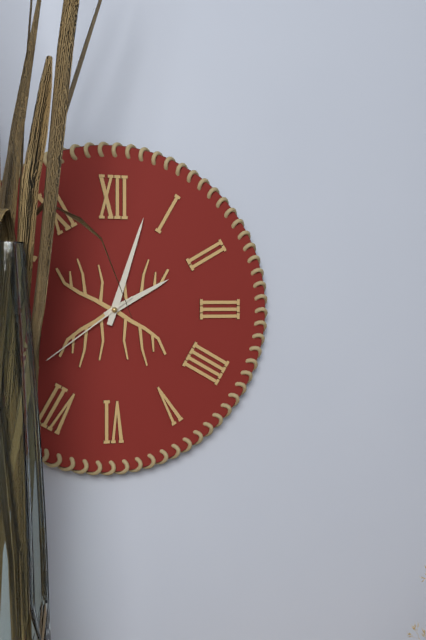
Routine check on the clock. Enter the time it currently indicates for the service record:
2:03:39
